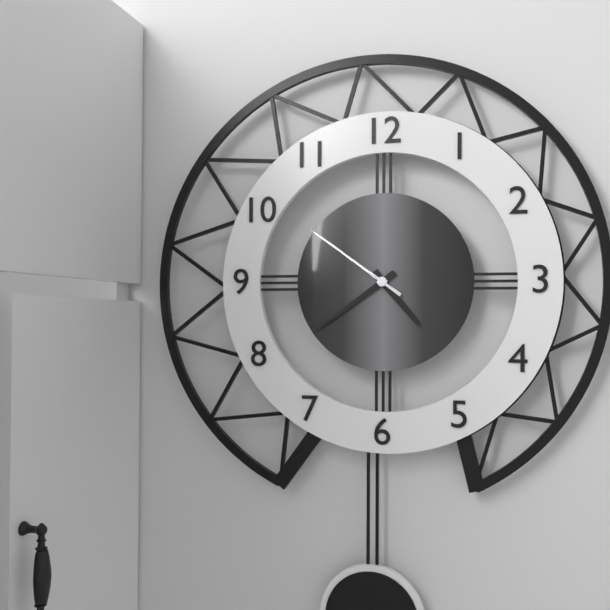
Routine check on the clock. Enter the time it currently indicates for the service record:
4:39:51
